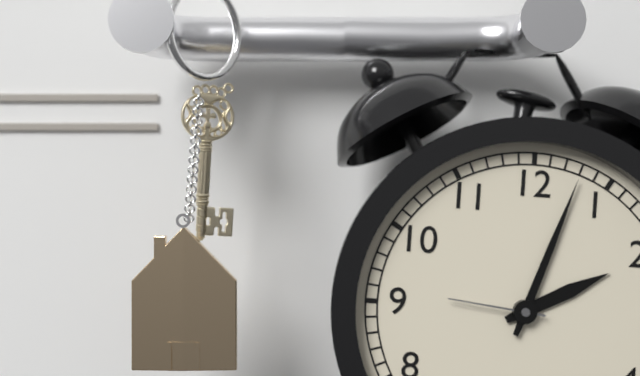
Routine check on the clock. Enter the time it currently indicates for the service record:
2:03:46
